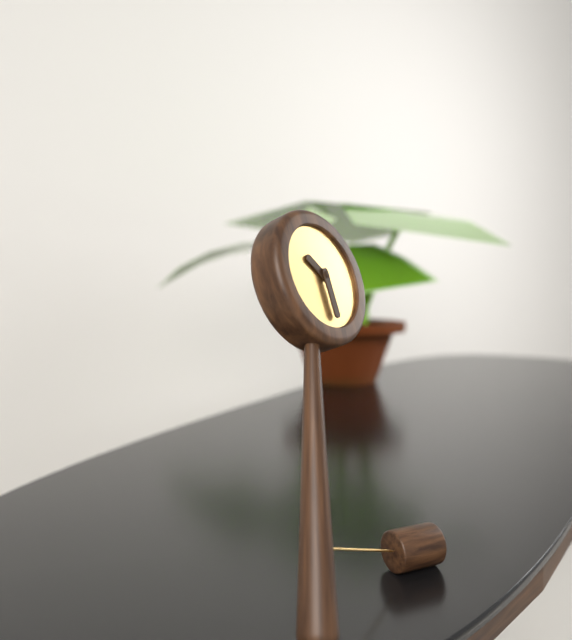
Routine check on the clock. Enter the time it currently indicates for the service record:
10:30
